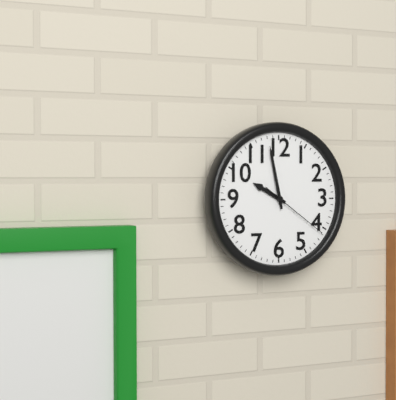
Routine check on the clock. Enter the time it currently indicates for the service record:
9:58:21
